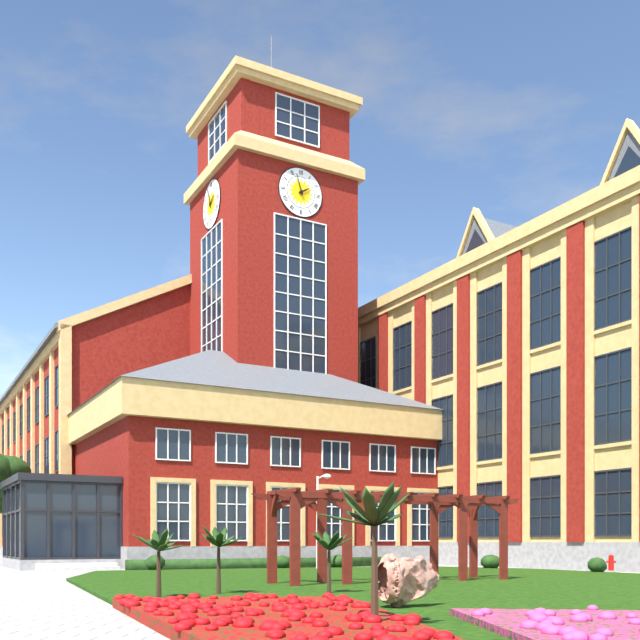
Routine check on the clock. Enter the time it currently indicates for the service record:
1:57
